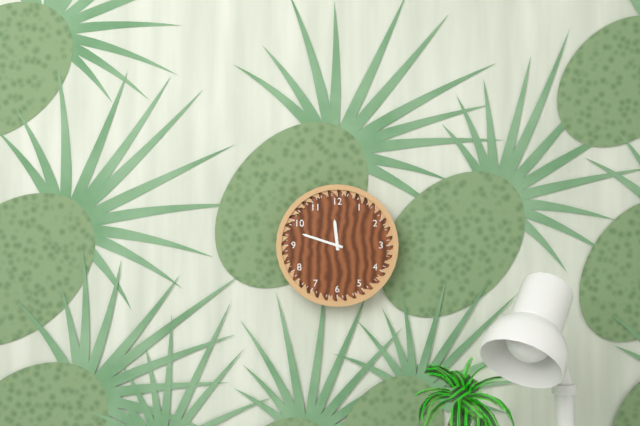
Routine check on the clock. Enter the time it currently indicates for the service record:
11:48
